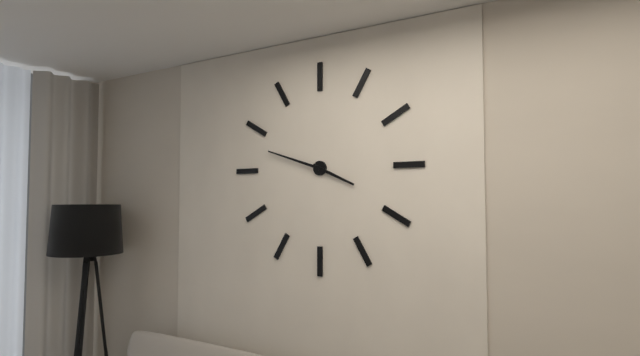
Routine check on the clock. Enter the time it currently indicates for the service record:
3:48
